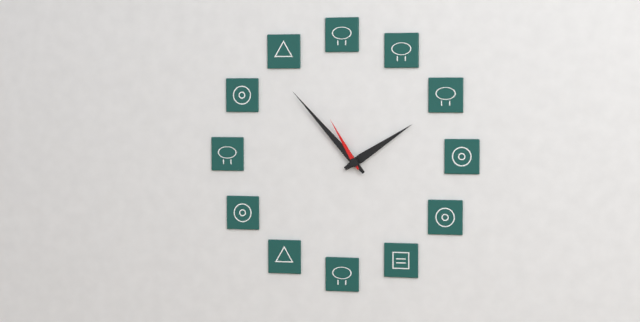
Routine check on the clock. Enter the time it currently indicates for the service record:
1:53:55
